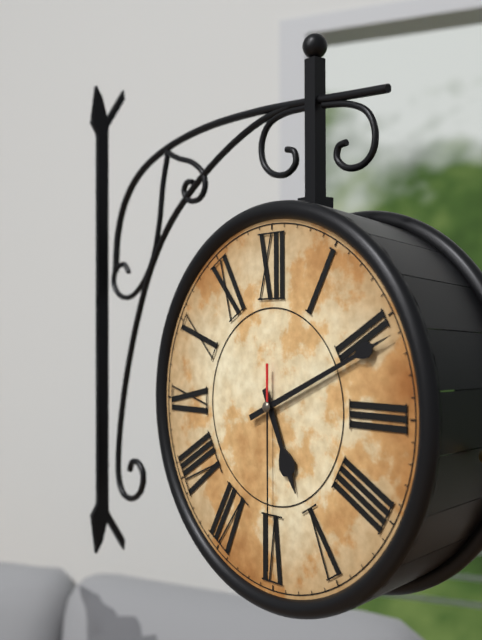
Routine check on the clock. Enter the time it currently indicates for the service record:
5:11:30
